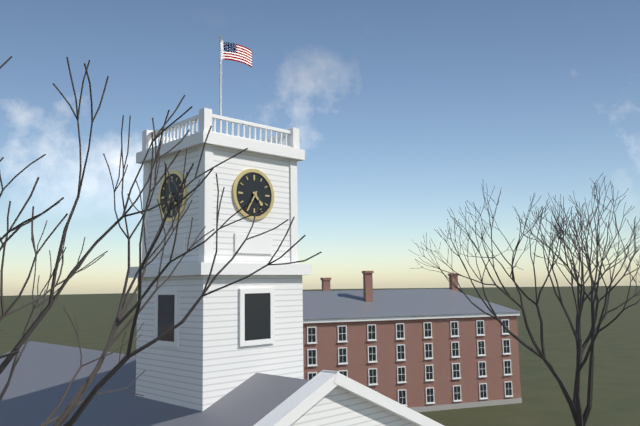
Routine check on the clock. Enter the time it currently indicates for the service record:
4:35
